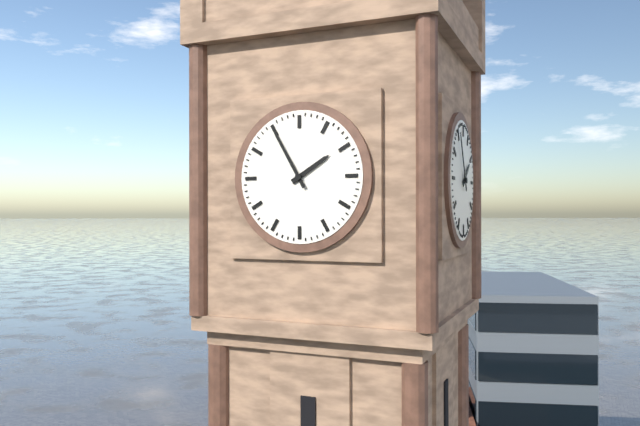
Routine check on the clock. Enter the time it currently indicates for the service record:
1:55
